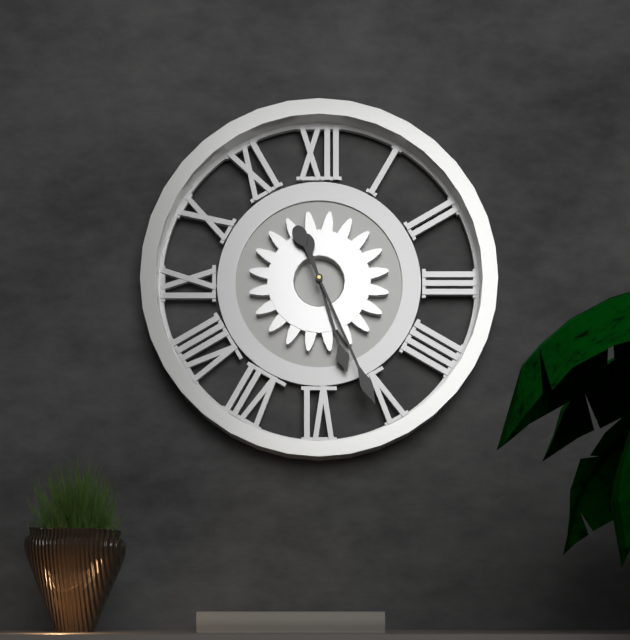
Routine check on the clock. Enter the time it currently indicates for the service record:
5:26
